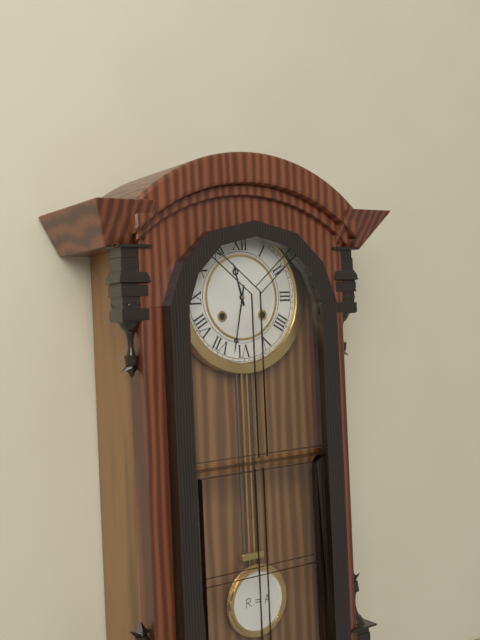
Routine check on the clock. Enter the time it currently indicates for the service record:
11:32
